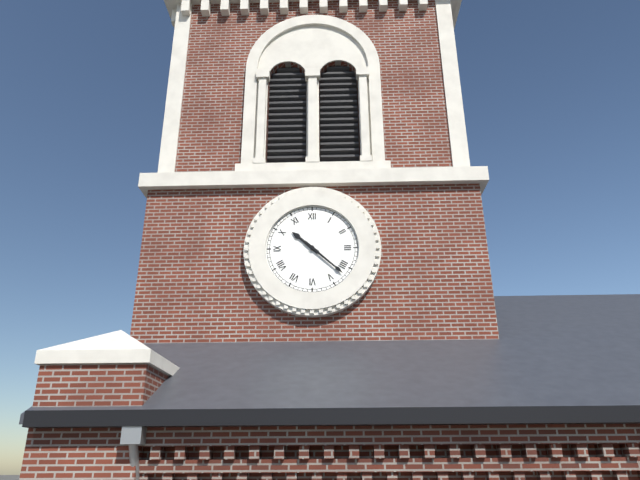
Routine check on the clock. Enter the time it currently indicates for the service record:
10:22
